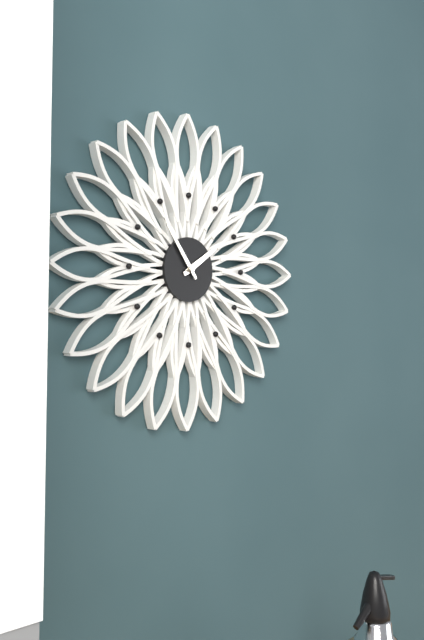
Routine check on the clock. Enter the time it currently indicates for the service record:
1:54
